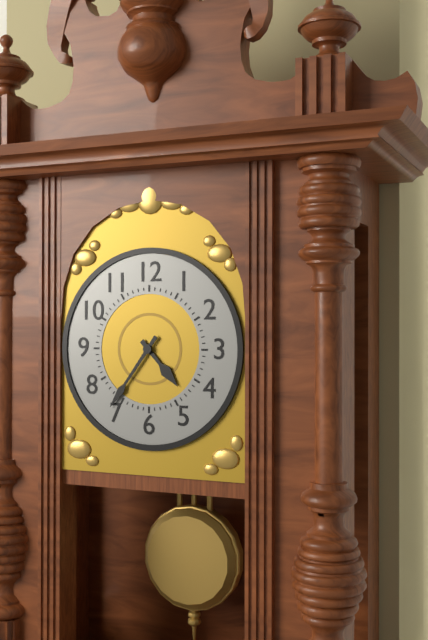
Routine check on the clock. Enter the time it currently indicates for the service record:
4:36
